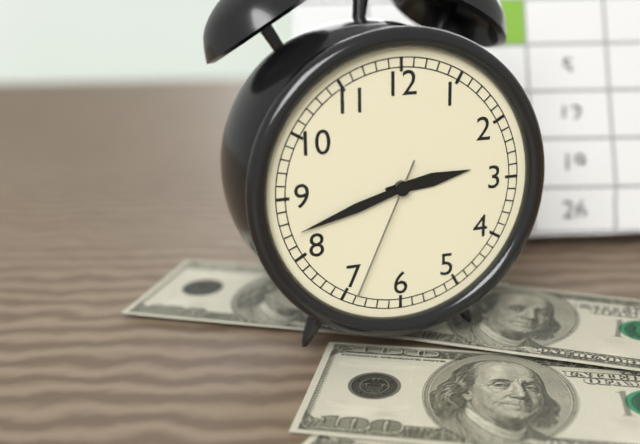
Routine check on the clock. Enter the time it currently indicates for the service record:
2:42:34
